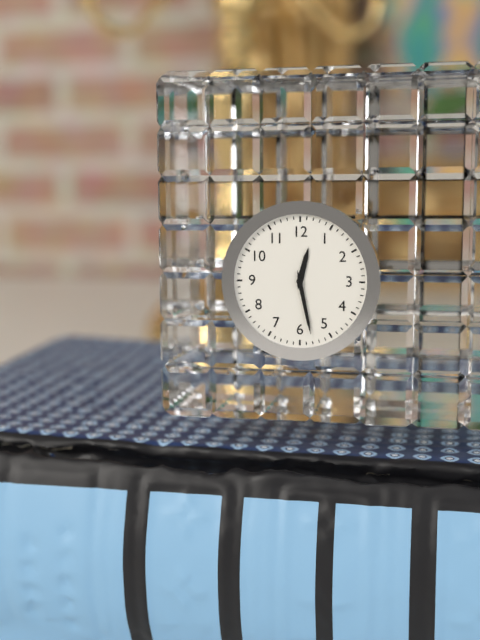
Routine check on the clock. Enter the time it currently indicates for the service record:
12:28
